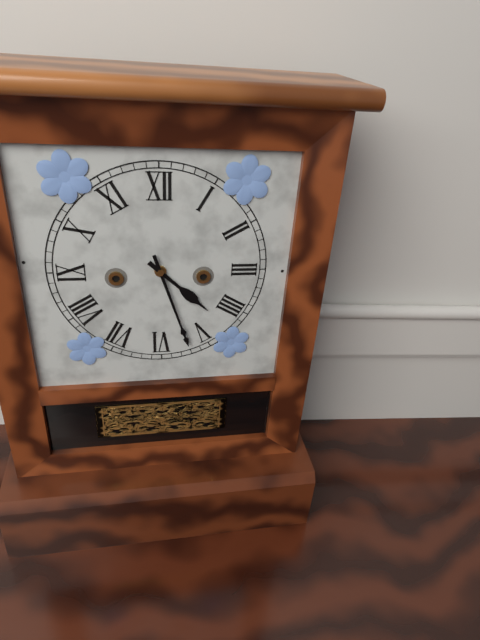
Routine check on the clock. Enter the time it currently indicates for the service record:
4:27
